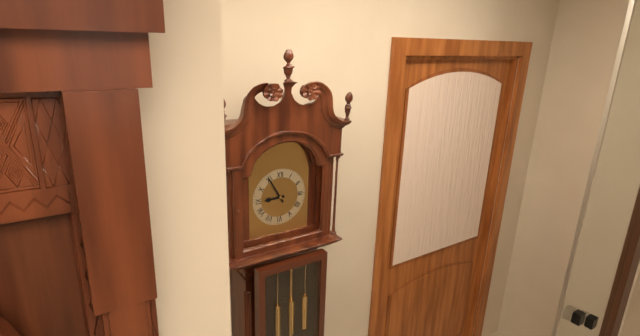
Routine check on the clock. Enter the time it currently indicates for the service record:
8:55
